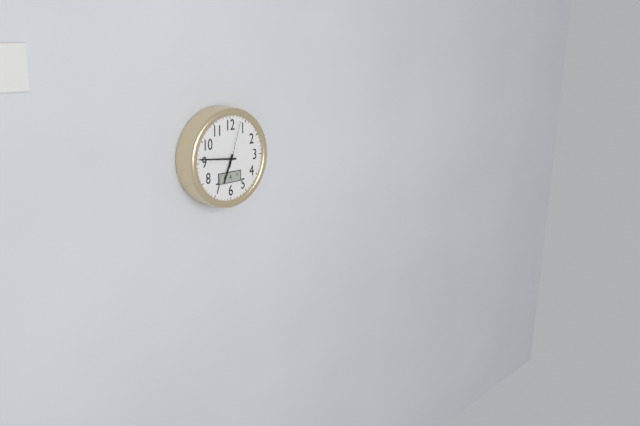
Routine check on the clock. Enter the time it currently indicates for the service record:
6:46
